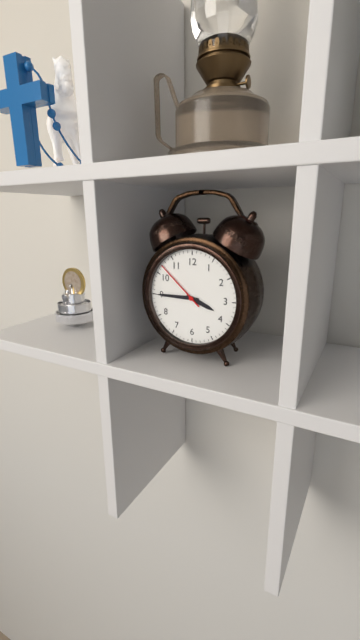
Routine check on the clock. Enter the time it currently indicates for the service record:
3:45:52
